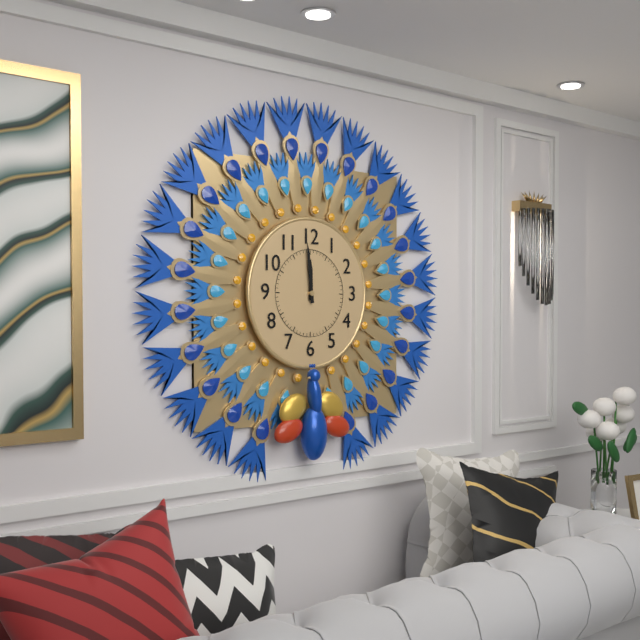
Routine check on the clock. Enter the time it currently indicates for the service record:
11:59
